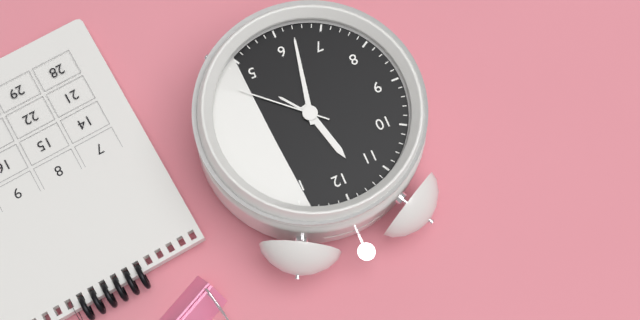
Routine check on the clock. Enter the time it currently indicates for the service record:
11:32:22
